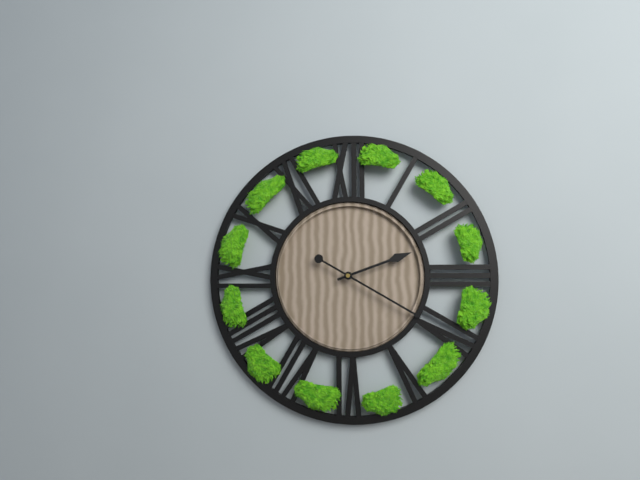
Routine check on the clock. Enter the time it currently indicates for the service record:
2:20
